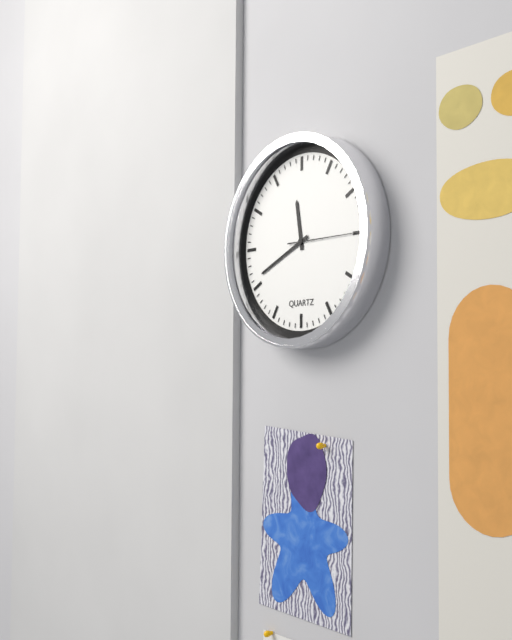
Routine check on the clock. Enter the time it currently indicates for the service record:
11:41:15
